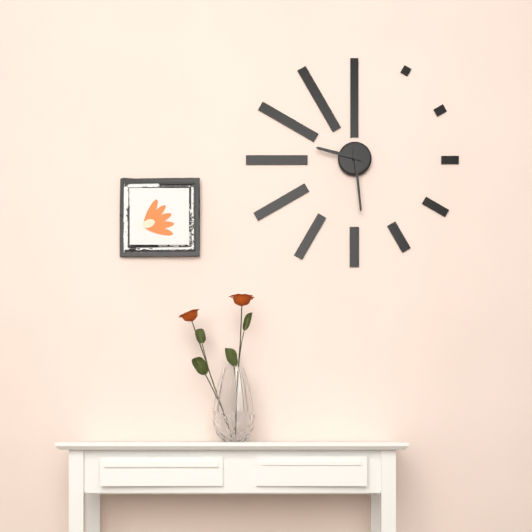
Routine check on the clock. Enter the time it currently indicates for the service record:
9:29
